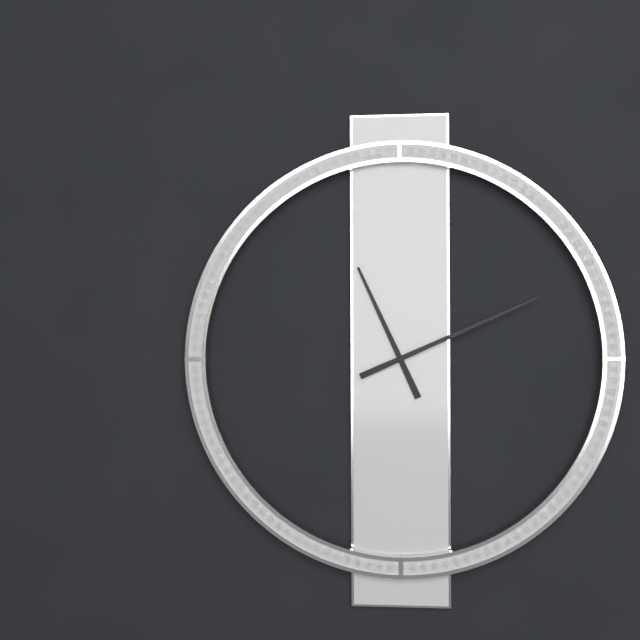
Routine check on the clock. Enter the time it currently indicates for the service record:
11:11
